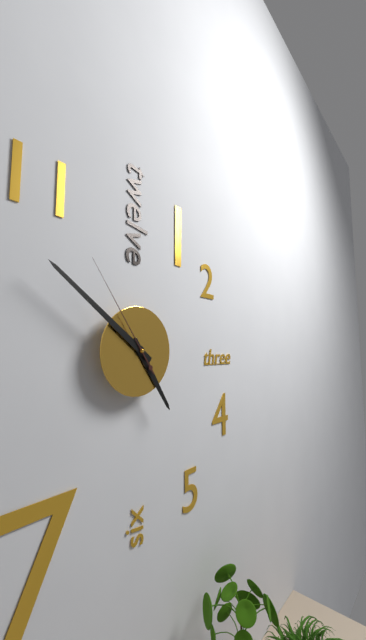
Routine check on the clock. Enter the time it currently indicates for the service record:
4:51:54
